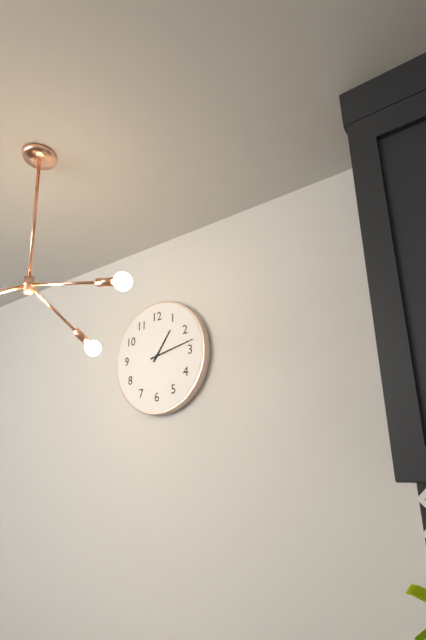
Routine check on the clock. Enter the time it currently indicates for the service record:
1:13
